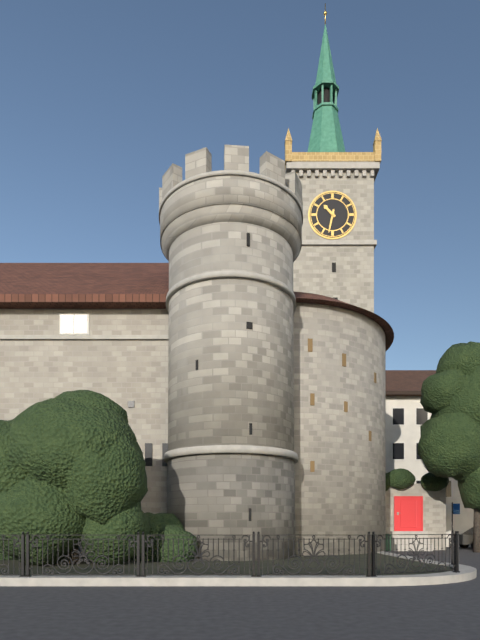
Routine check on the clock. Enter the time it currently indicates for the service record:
10:32
